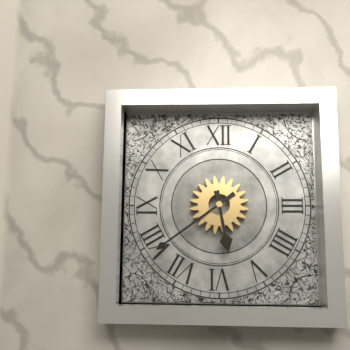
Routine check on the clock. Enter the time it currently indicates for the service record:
5:39
